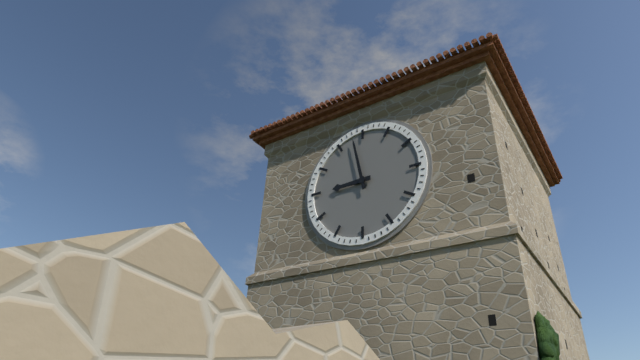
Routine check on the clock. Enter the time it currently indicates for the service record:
8:58
